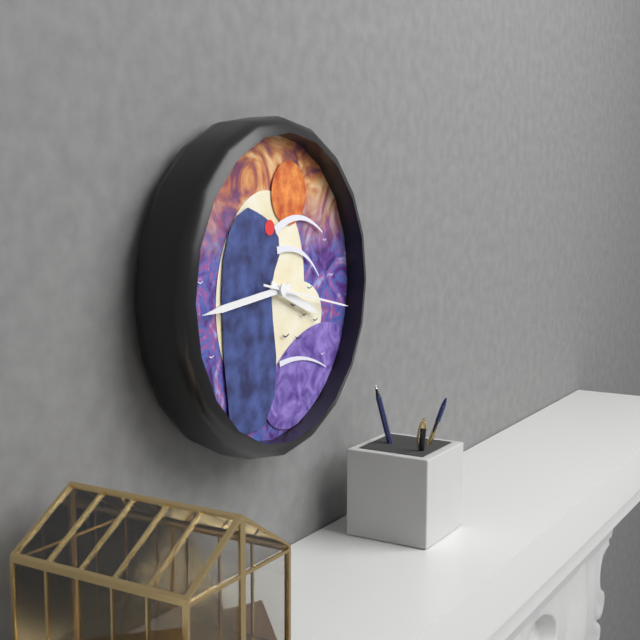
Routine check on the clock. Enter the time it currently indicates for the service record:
3:44:17
